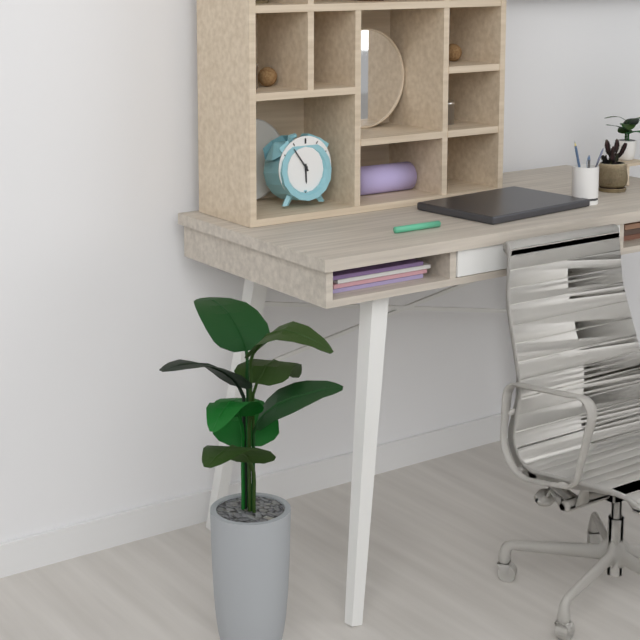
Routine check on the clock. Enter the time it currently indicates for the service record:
5:54
